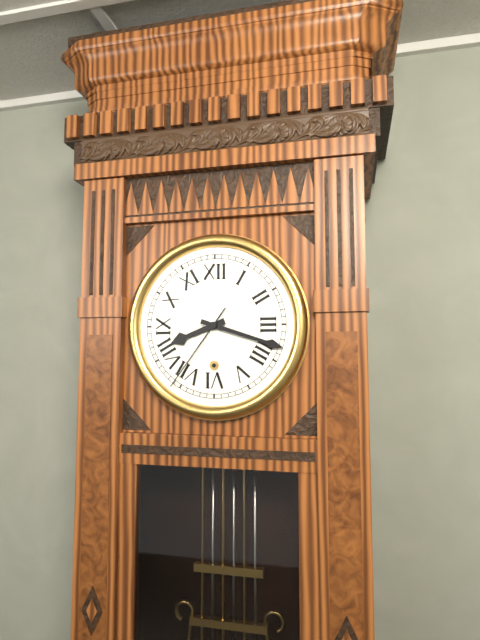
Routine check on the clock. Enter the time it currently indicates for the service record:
8:18:36
